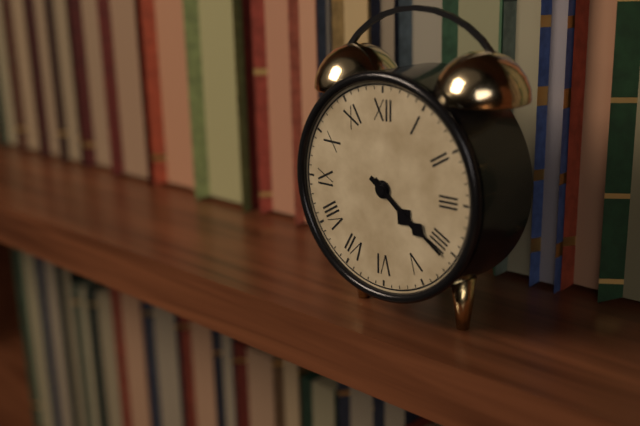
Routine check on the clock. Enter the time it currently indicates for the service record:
4:21
